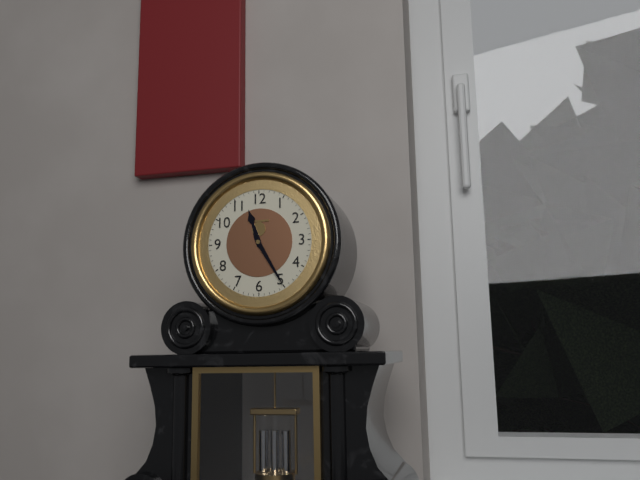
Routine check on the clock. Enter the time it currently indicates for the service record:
11:25
